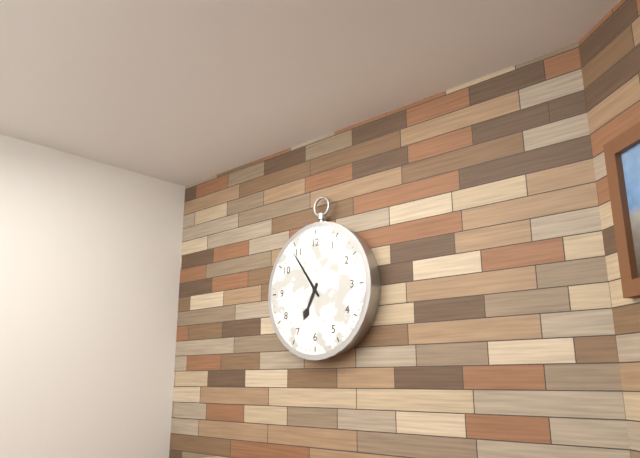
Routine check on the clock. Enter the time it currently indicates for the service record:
6:54
